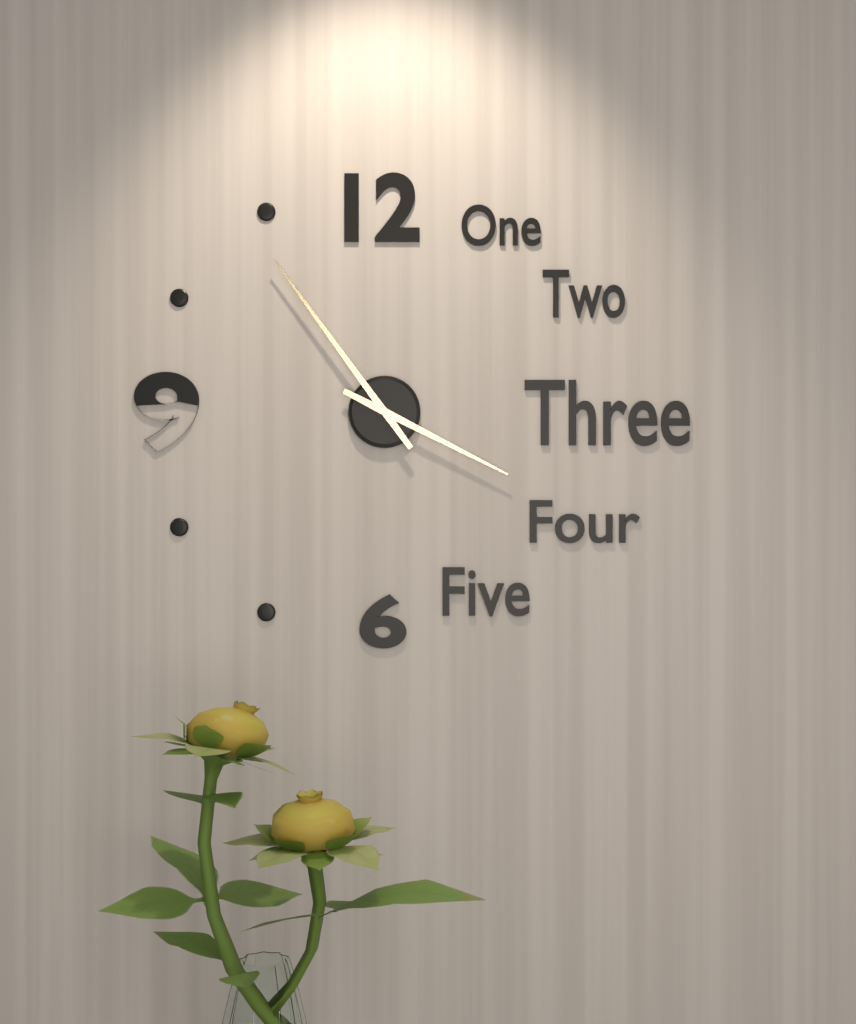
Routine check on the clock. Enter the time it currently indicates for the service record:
3:54
